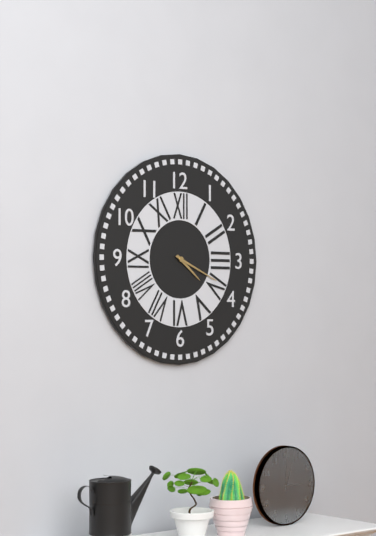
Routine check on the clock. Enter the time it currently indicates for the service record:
4:19
